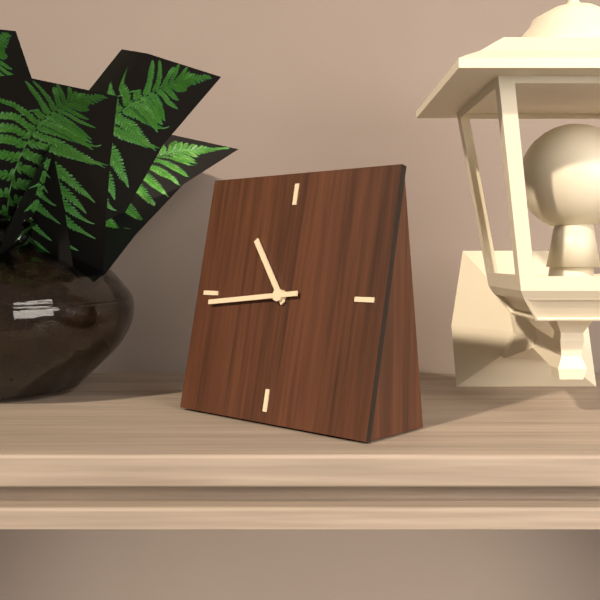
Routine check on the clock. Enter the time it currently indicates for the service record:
10:44
